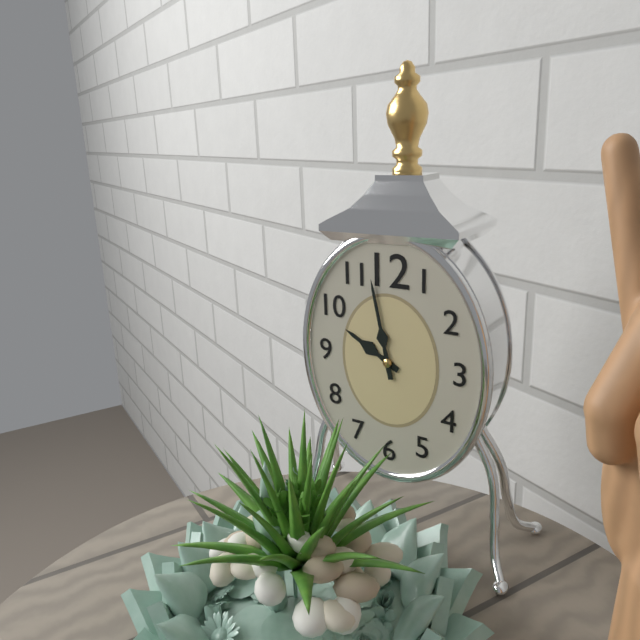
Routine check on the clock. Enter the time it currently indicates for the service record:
9:58
